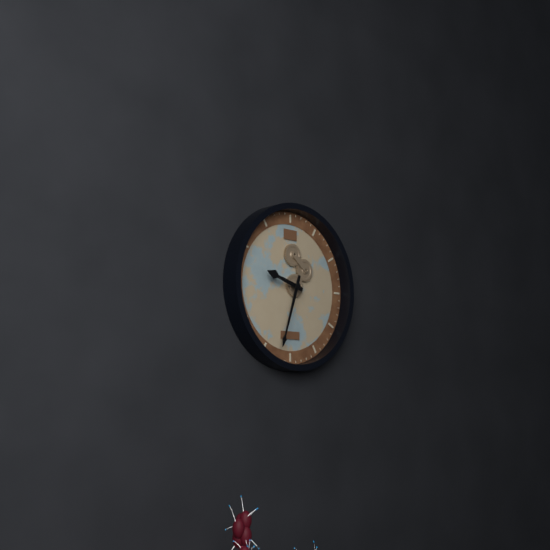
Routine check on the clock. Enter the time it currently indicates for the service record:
9:33
